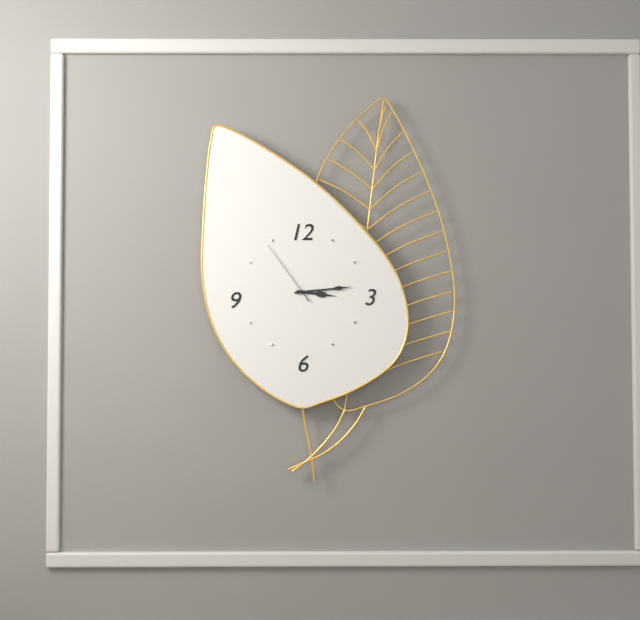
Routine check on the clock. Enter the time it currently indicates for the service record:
3:14:54
